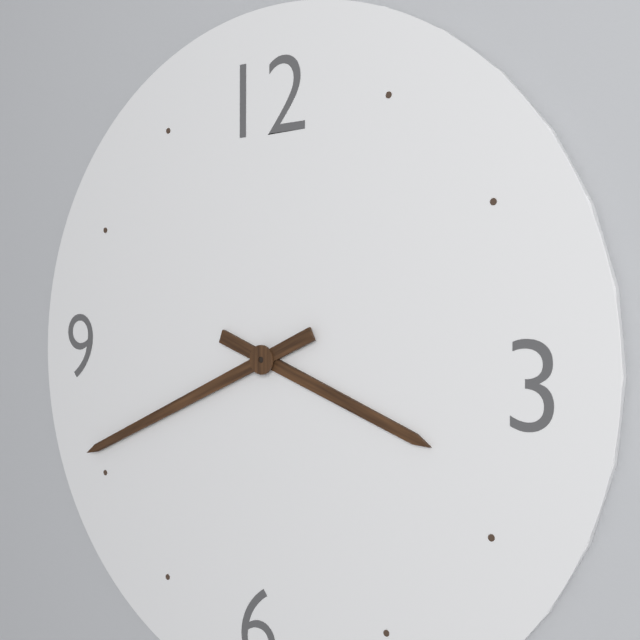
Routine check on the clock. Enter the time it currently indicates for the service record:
3:41
